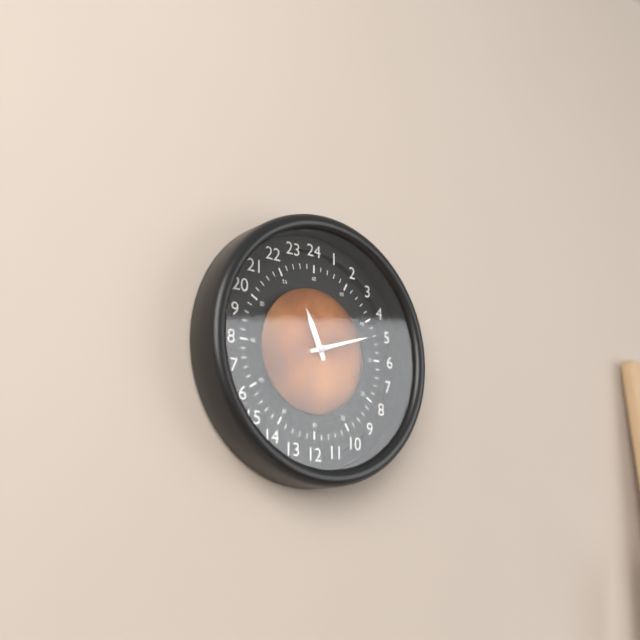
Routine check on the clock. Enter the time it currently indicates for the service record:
11:12
